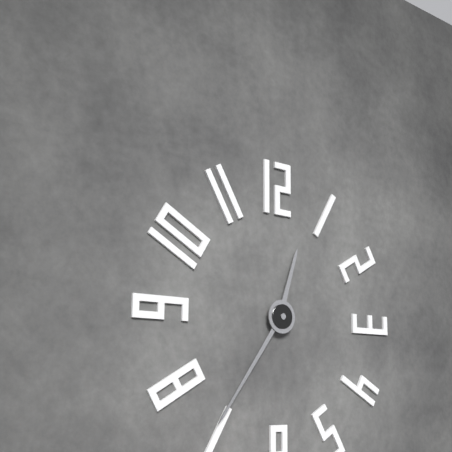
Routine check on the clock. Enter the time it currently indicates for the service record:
12:36
